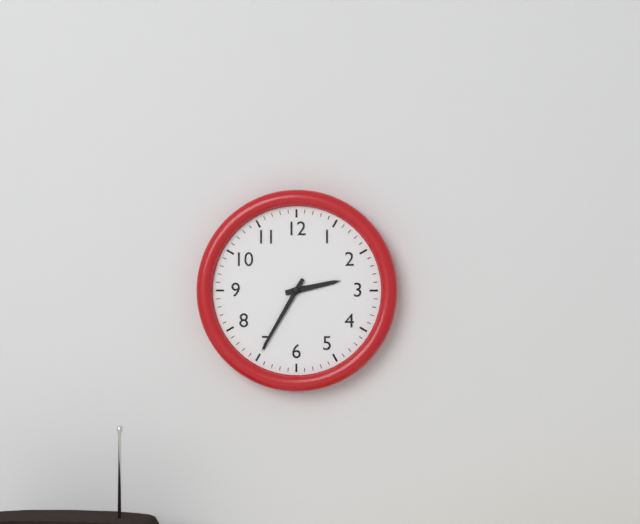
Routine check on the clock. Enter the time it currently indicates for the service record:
2:35
